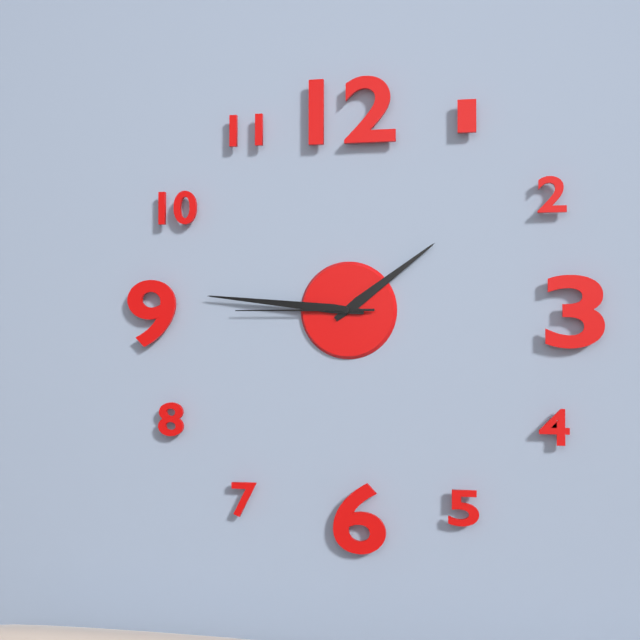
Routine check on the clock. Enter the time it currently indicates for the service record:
1:46:45
